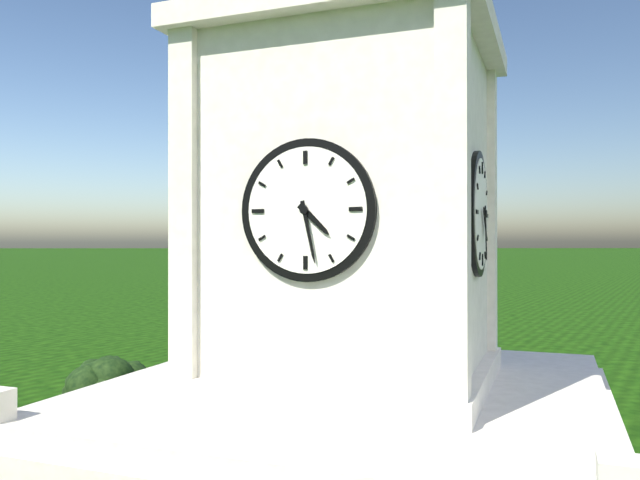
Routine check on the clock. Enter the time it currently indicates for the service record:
4:28
